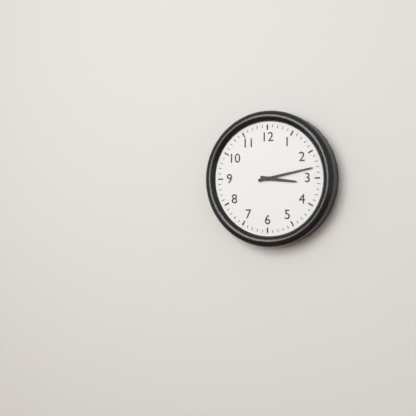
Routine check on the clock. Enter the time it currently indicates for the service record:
3:13
